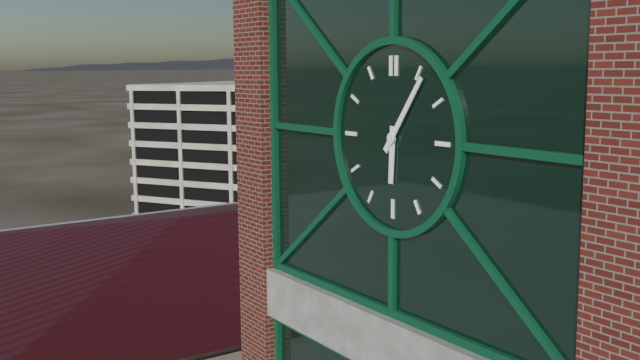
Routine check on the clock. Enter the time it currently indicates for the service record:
6:06
